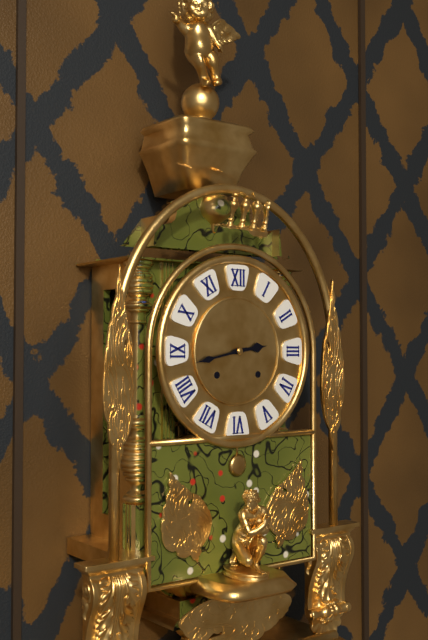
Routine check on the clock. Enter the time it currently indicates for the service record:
2:43
